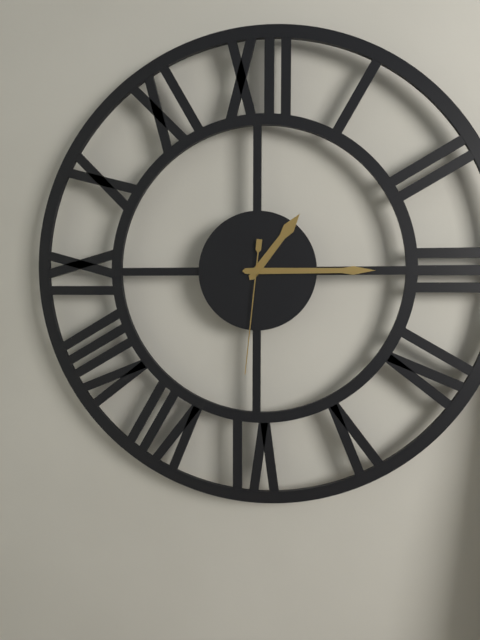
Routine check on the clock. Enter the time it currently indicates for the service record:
1:15:31
